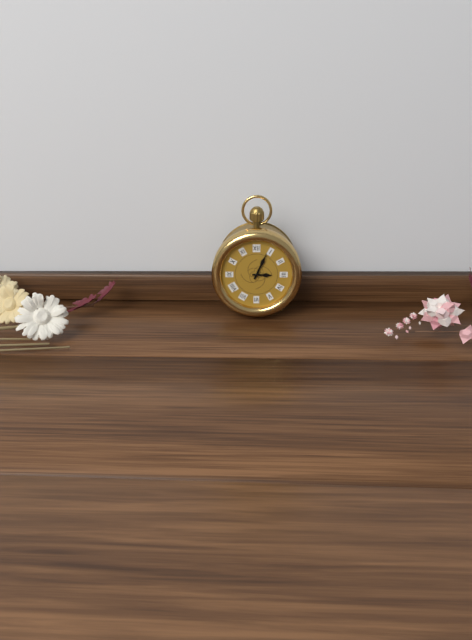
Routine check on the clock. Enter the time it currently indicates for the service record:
3:04
